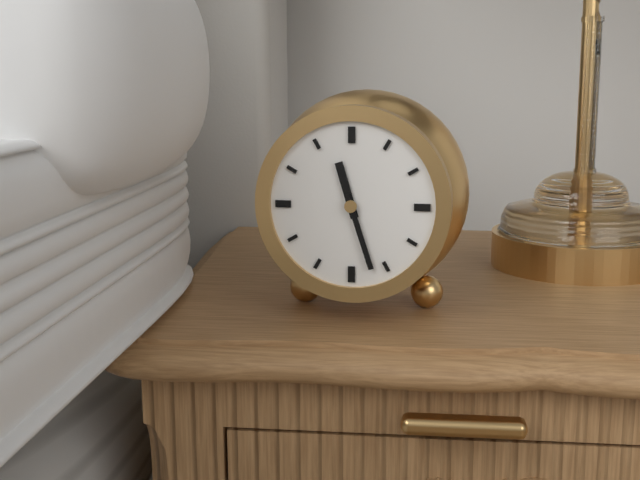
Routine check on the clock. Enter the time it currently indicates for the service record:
11:27
